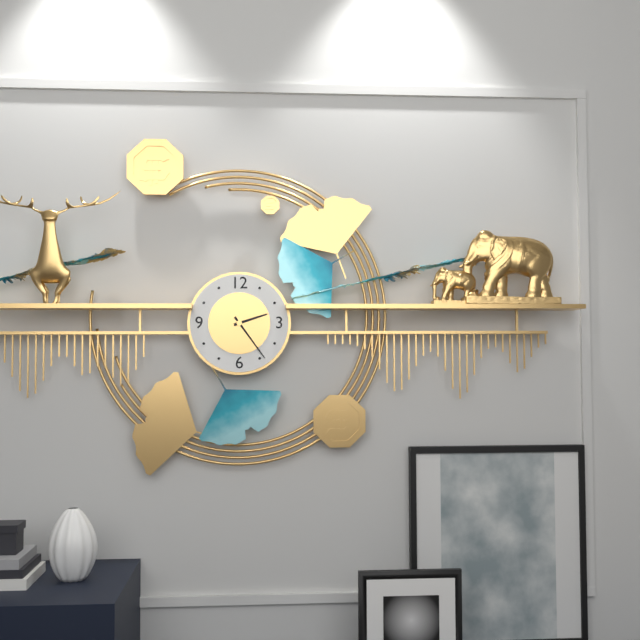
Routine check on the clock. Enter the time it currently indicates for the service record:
2:24
